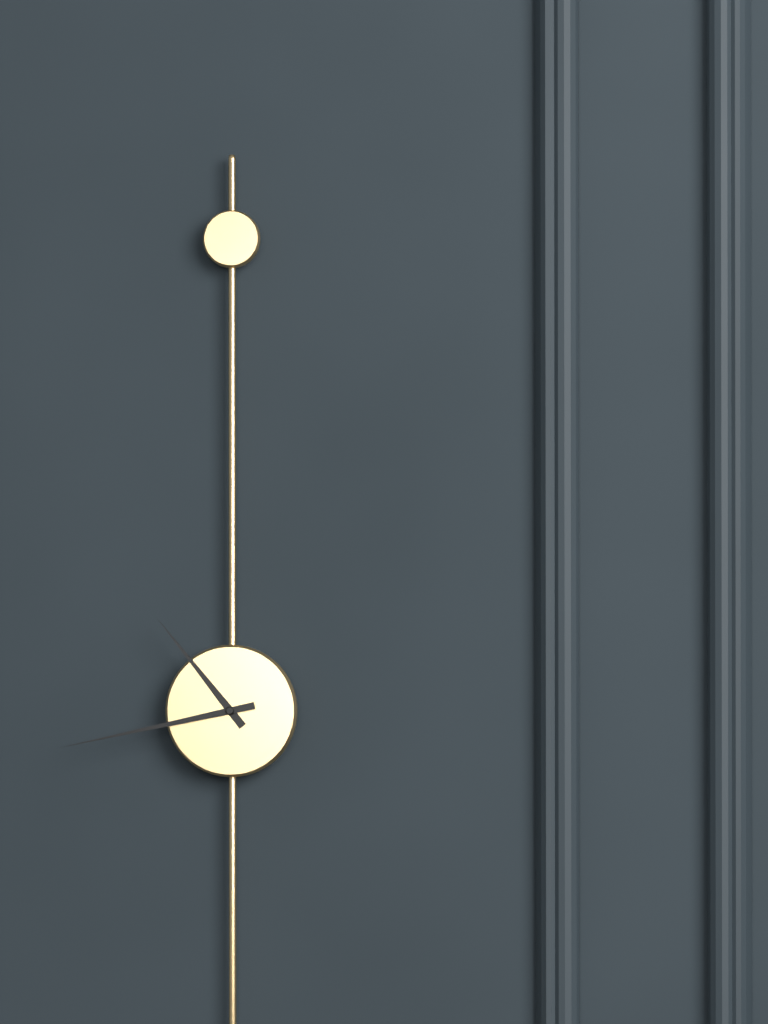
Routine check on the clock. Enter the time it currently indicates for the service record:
10:43
